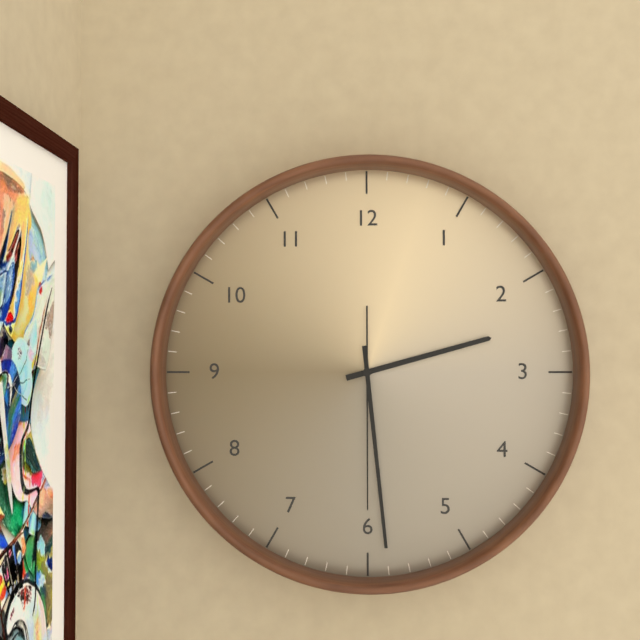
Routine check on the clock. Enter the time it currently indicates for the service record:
2:29:30
